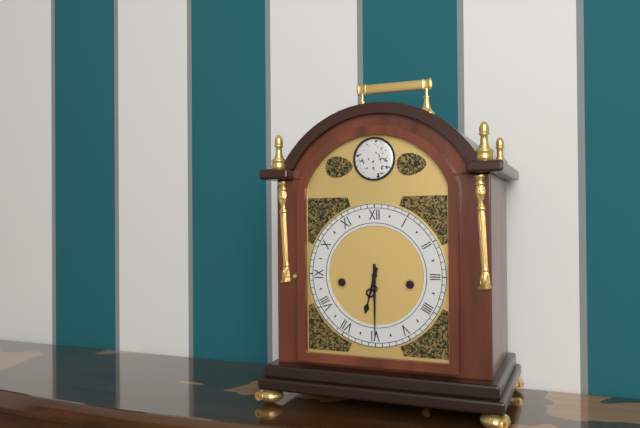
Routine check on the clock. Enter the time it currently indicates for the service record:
6:30
